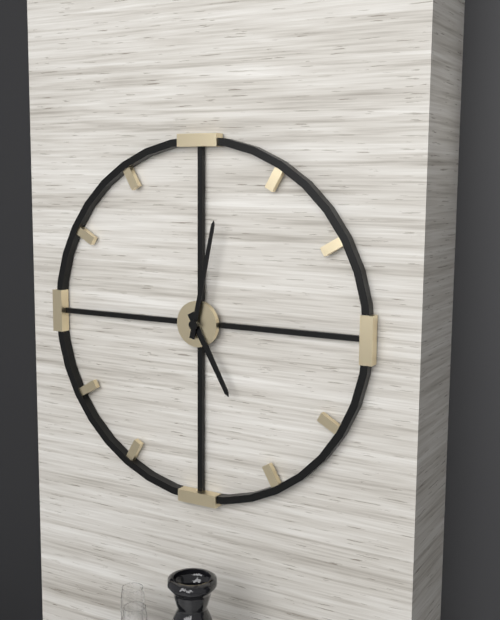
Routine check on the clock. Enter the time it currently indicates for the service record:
5:02
